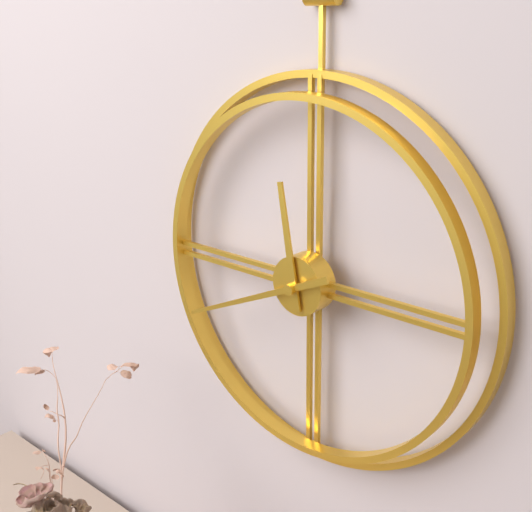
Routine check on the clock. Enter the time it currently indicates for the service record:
11:41
